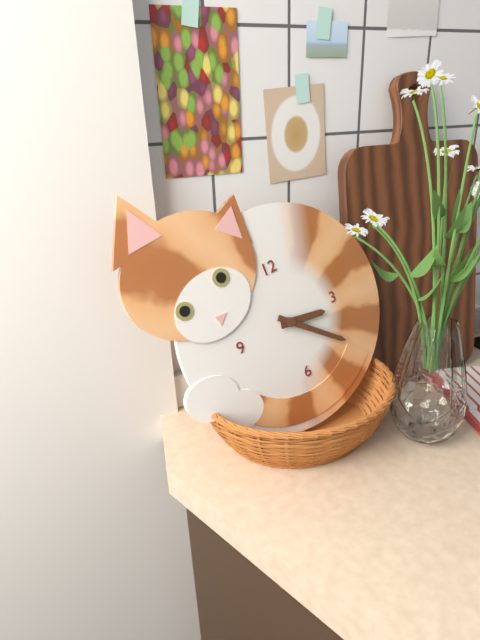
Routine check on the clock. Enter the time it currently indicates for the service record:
3:22
